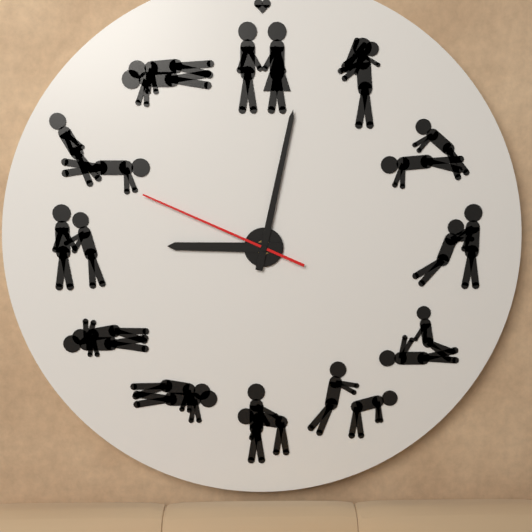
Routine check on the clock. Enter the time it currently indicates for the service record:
9:02:49
